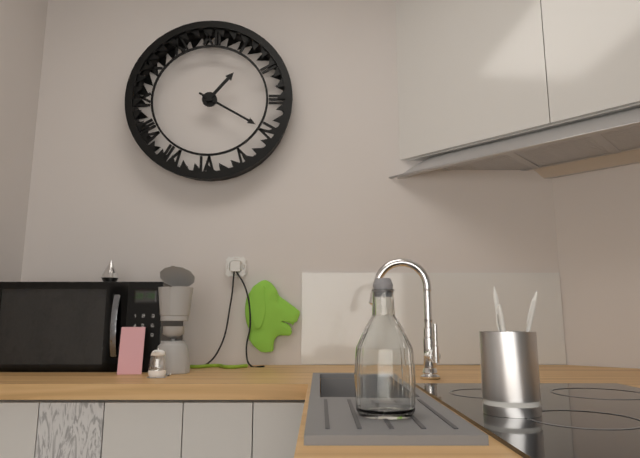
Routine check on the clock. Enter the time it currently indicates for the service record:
1:20
